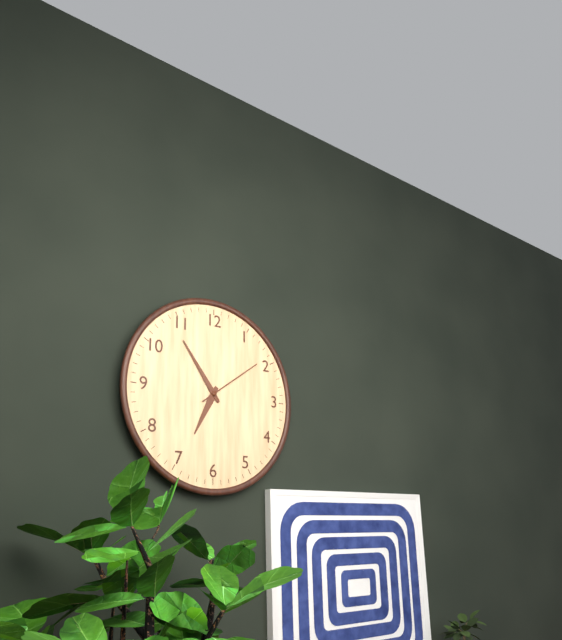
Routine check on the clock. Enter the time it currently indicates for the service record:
6:54:09
